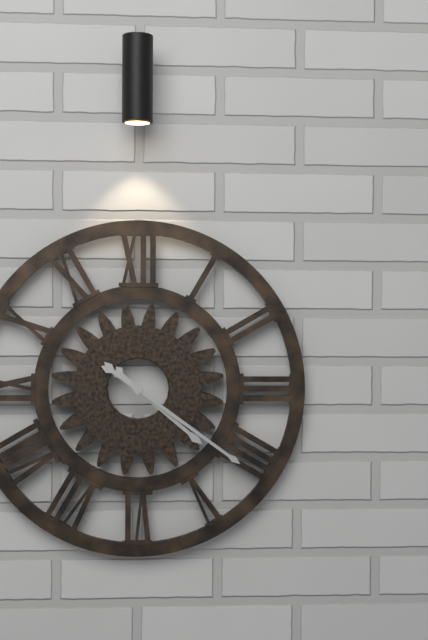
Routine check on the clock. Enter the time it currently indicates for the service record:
4:21
